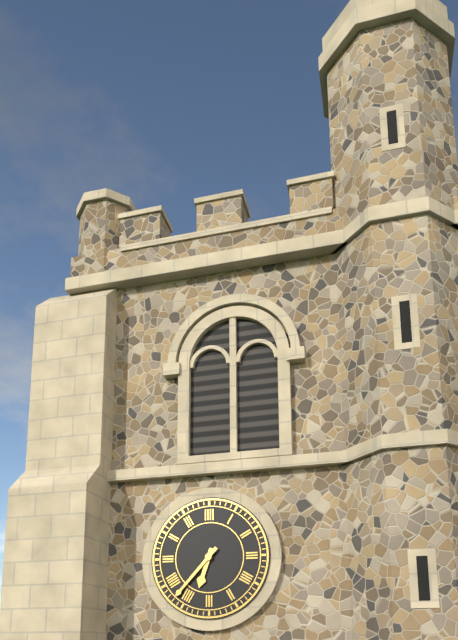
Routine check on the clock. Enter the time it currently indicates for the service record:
6:37
